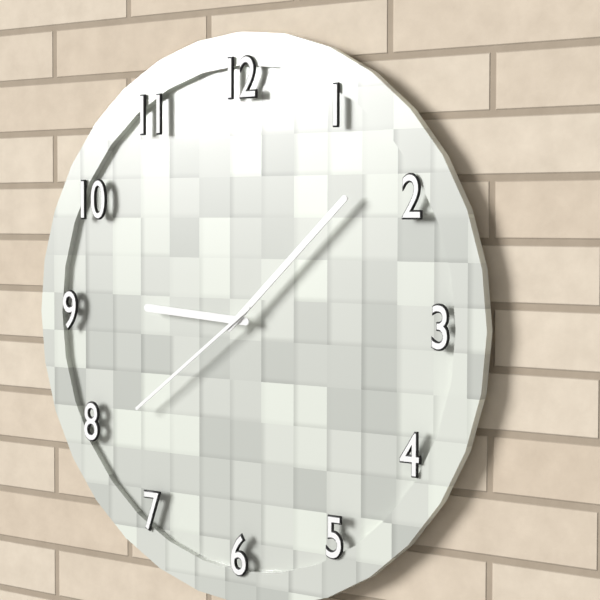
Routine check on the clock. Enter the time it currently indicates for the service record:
9:08:39
